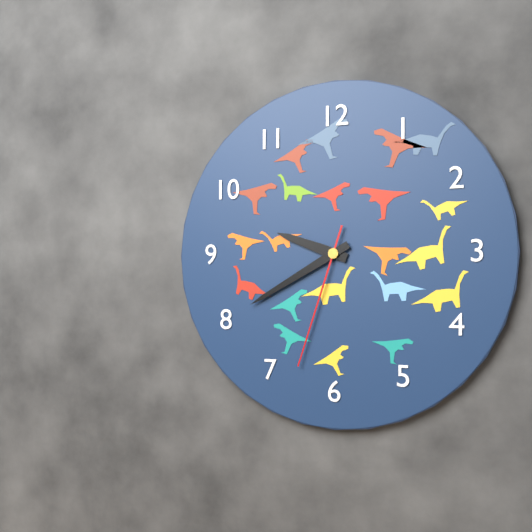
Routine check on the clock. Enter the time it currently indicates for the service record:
9:40:33
